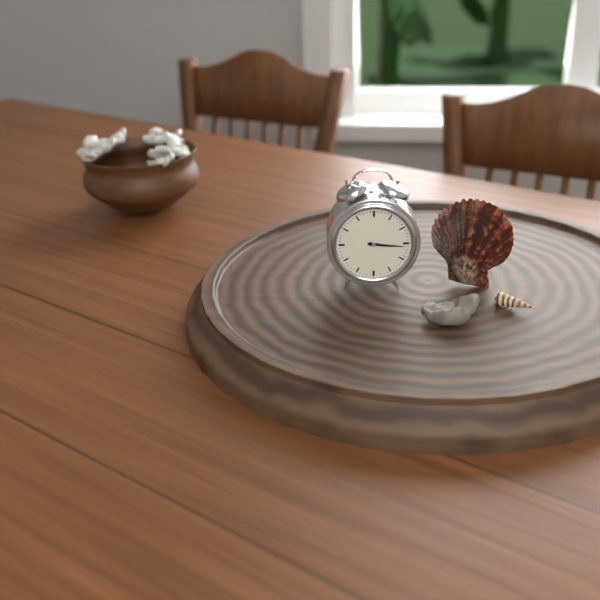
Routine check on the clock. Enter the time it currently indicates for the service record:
3:16
